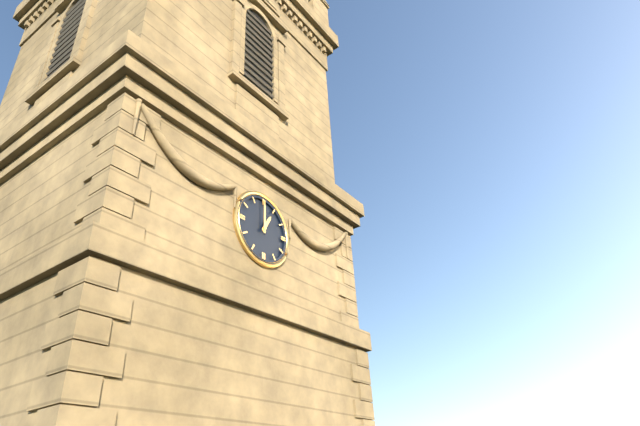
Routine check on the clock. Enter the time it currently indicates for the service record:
1:00
